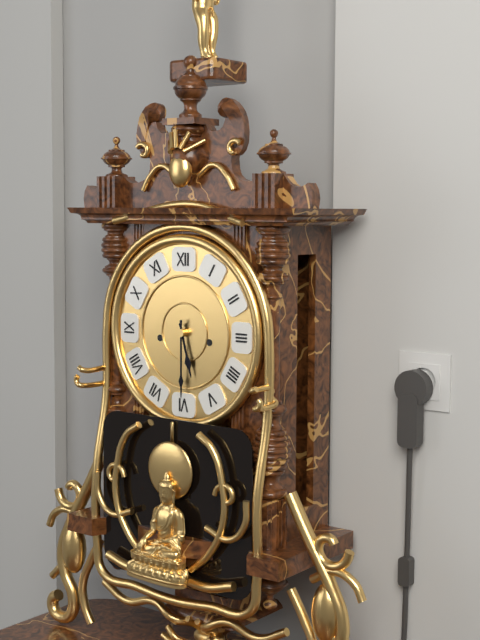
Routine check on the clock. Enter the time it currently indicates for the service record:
5:30
